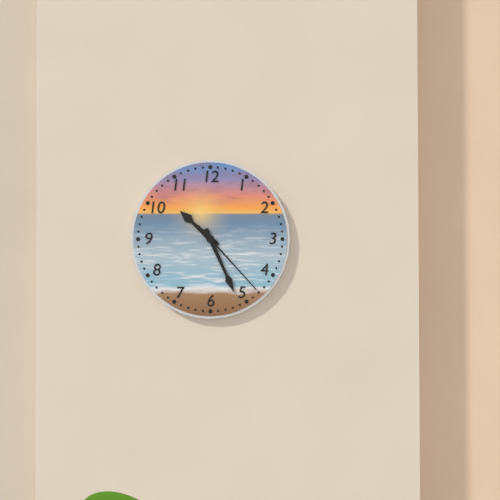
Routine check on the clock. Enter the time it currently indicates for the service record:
10:26:23
